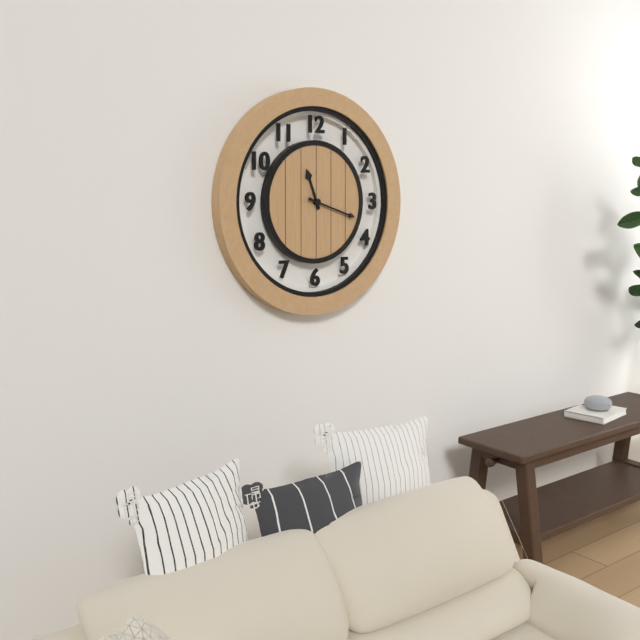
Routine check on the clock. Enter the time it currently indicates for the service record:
11:18
